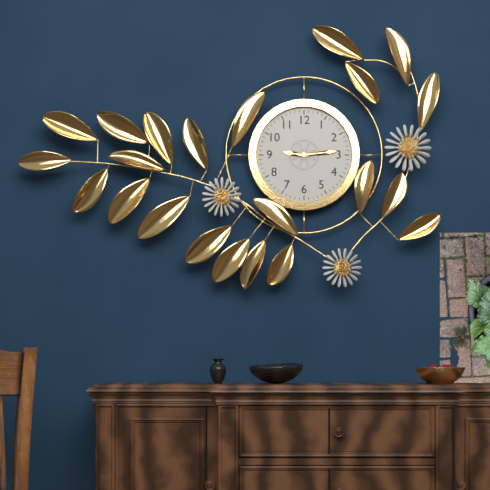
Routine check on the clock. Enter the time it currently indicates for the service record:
9:14
